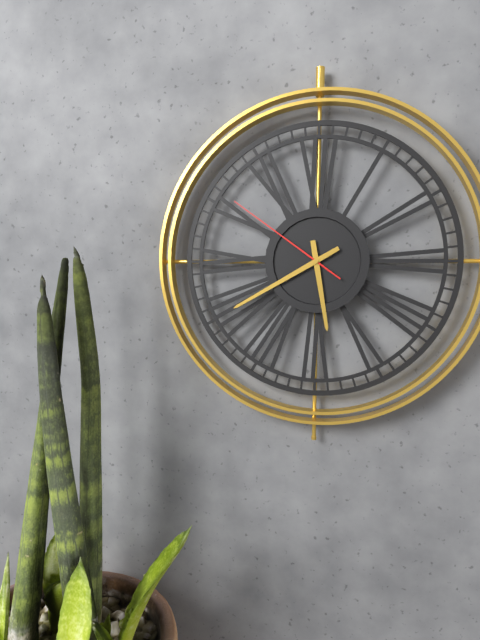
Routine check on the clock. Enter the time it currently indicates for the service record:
5:40:51
